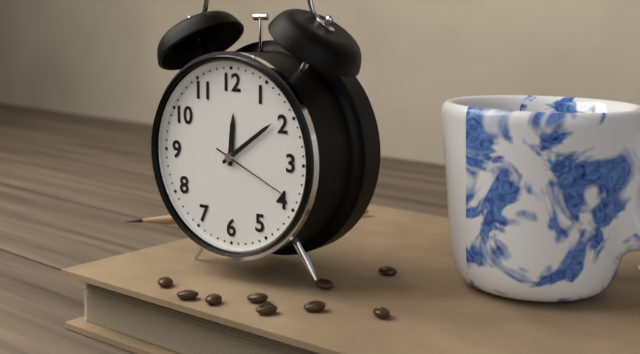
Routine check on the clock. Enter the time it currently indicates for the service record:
12:09:19
